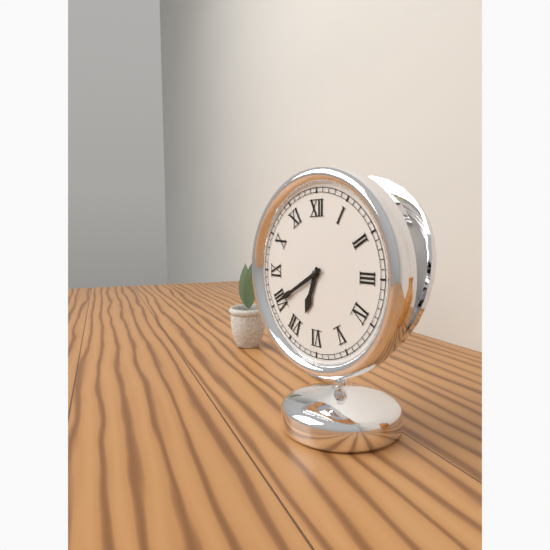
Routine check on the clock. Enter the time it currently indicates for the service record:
6:40
